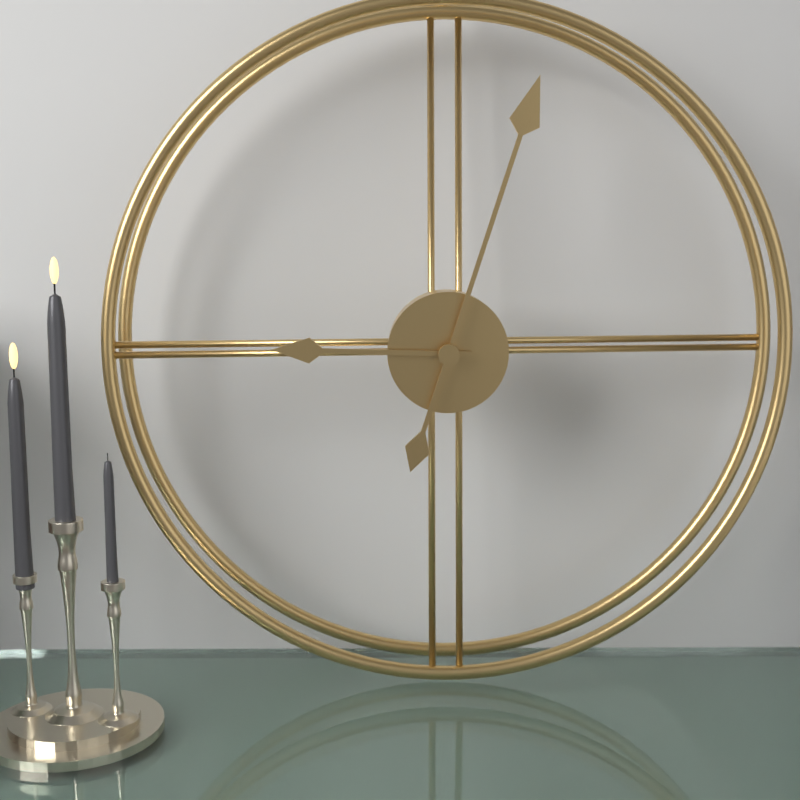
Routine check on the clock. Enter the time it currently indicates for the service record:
9:03
